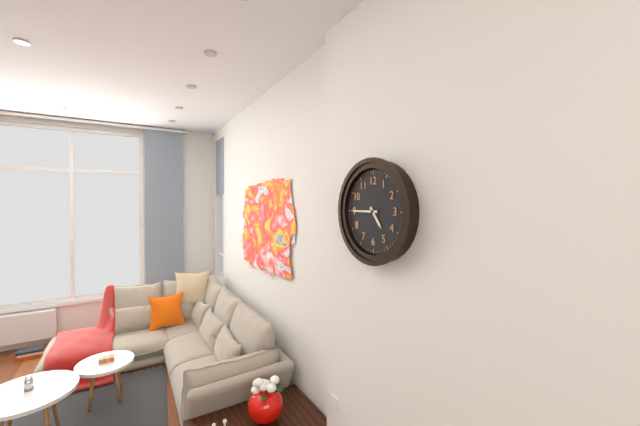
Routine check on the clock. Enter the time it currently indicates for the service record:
4:45
